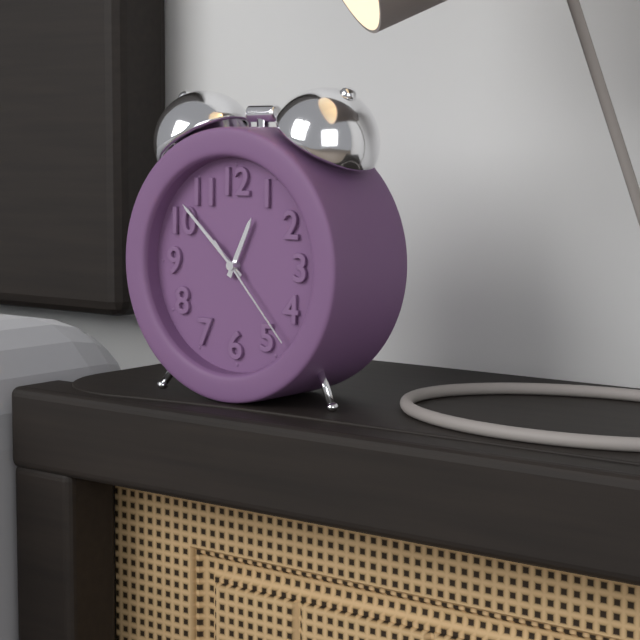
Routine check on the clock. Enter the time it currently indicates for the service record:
12:52:23
